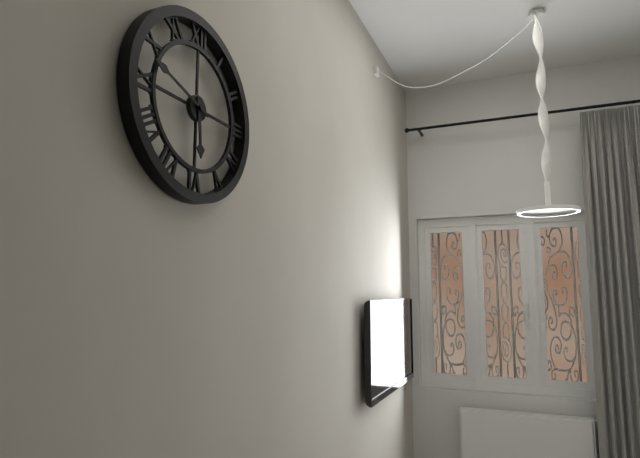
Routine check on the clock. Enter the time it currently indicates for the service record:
5:48
